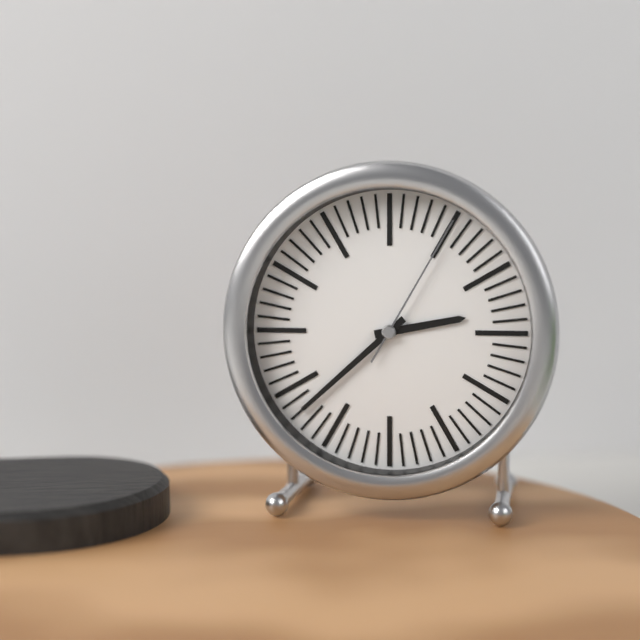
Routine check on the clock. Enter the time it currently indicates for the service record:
2:38:05
